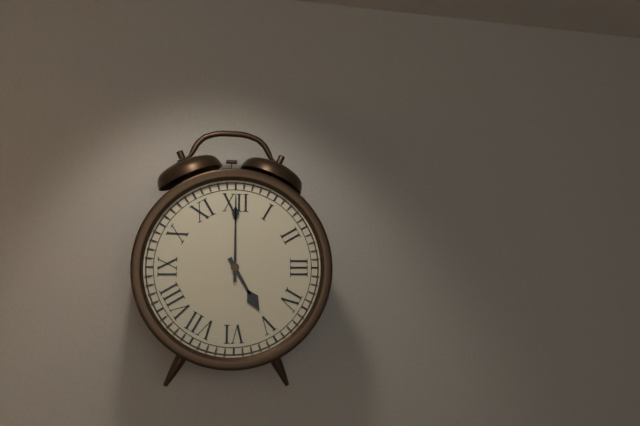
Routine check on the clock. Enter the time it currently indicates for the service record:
5:00
